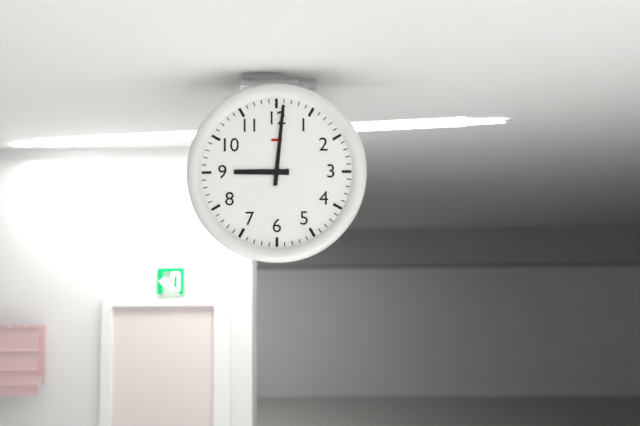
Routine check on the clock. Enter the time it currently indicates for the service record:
9:01
